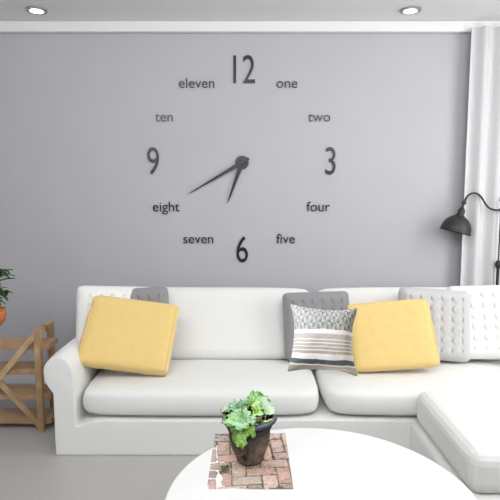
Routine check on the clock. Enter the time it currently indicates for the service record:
6:40
